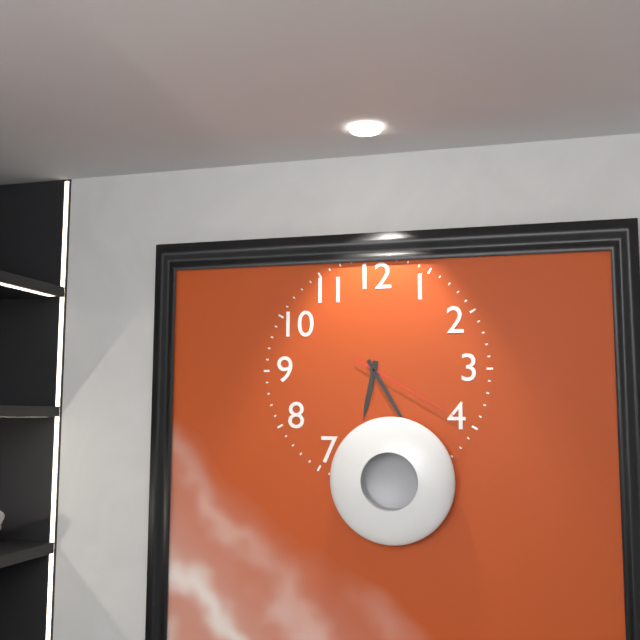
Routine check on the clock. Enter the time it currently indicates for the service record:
6:25:20
